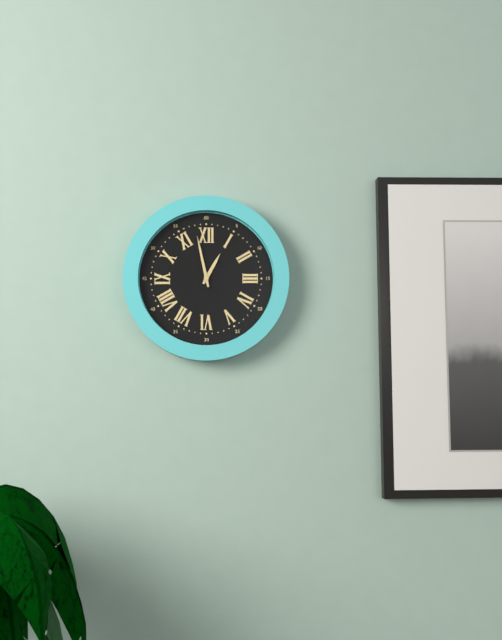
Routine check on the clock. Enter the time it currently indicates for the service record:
12:58
